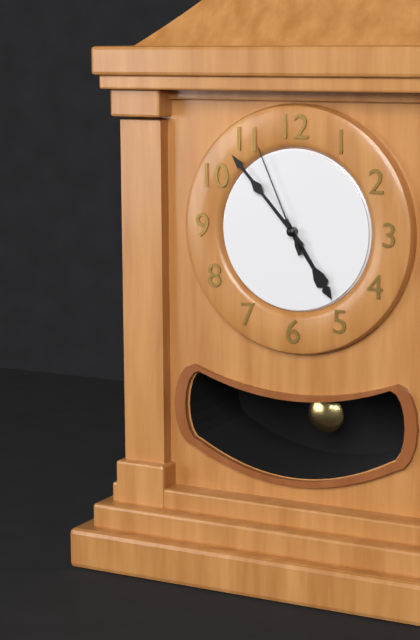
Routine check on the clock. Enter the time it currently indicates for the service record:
4:53:56
